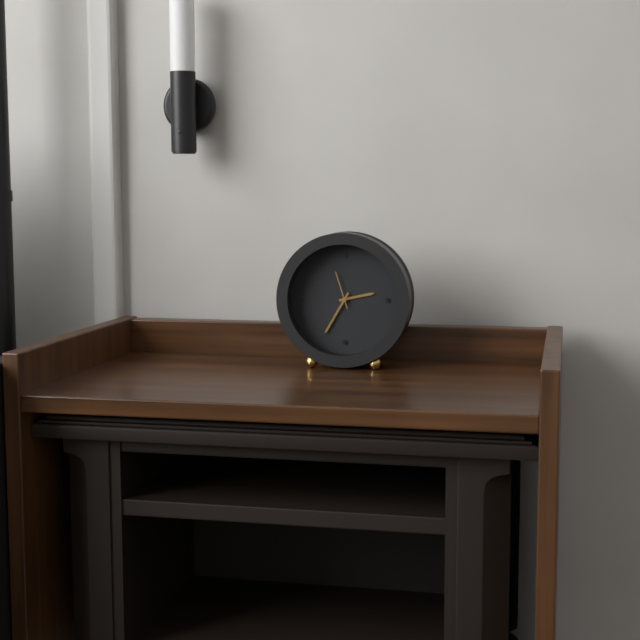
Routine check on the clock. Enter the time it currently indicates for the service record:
2:35
